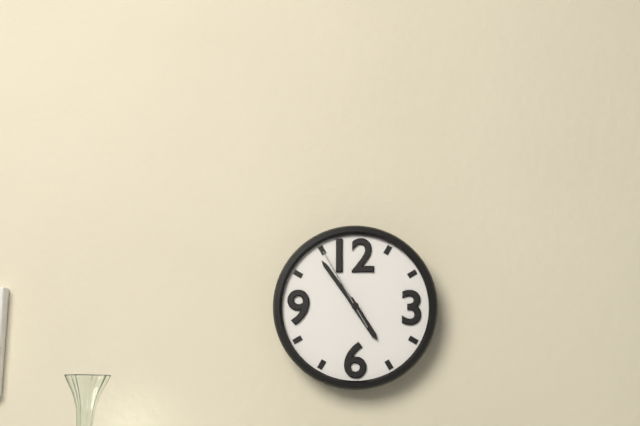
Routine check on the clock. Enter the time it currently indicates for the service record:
4:54:55
